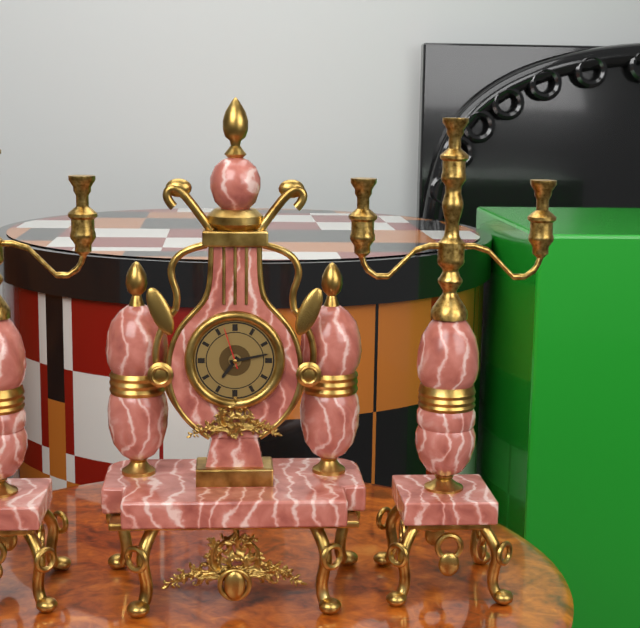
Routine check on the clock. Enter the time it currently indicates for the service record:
7:13
